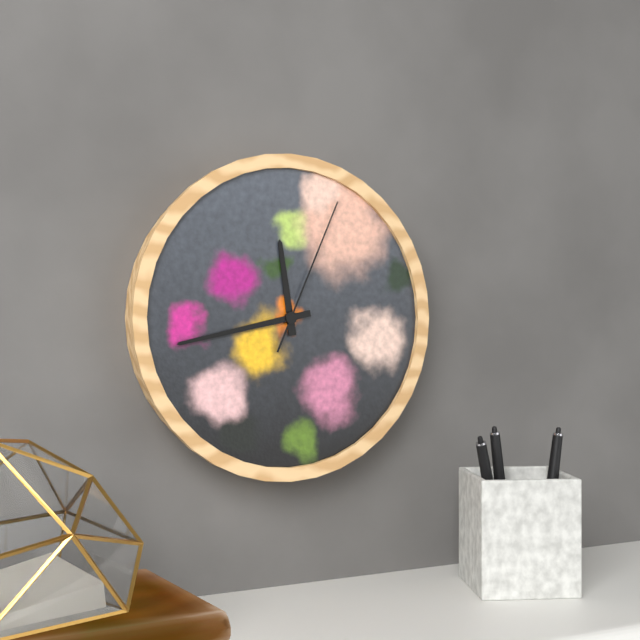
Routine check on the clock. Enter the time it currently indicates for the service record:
11:43:04
